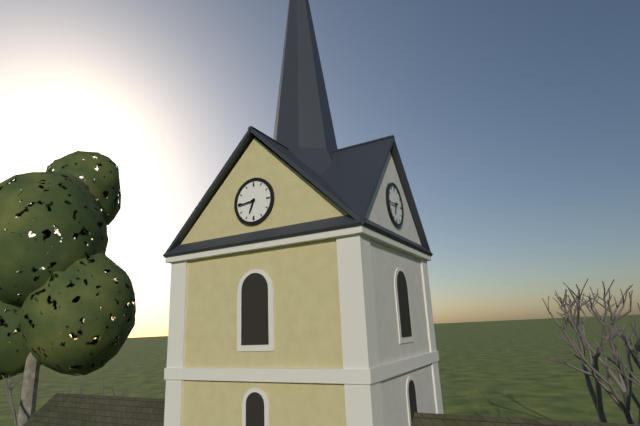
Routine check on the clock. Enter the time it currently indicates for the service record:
6:44
